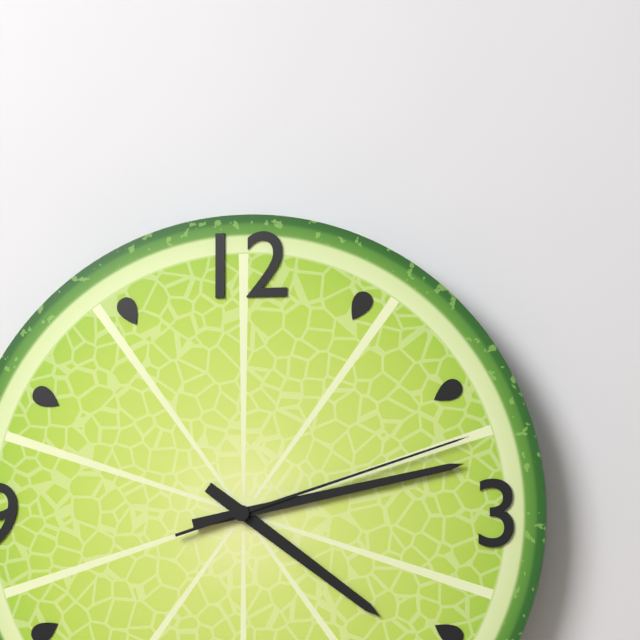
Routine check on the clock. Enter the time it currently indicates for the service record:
4:13:12
